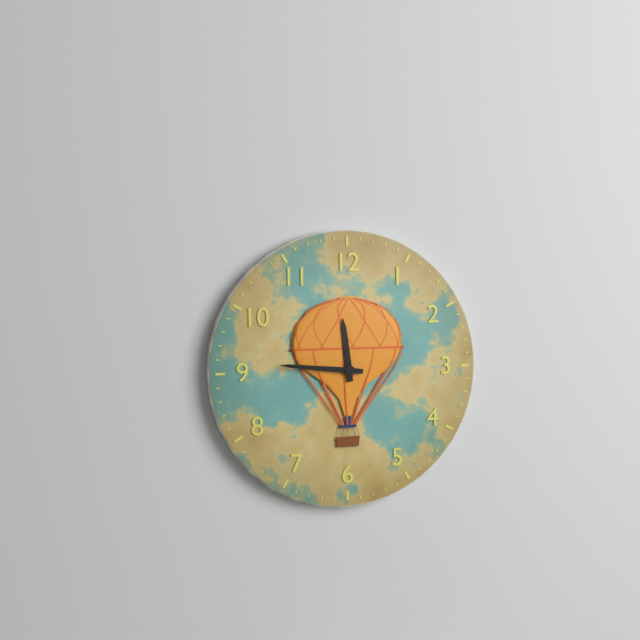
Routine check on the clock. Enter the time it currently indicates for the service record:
11:46
